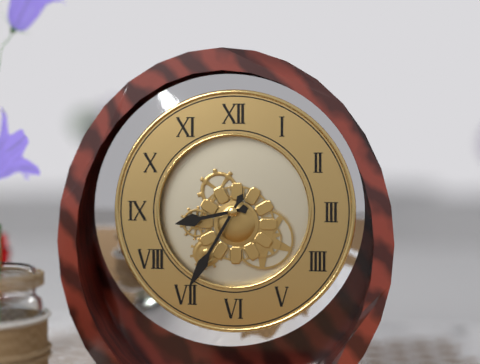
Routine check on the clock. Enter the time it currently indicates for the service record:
8:35
